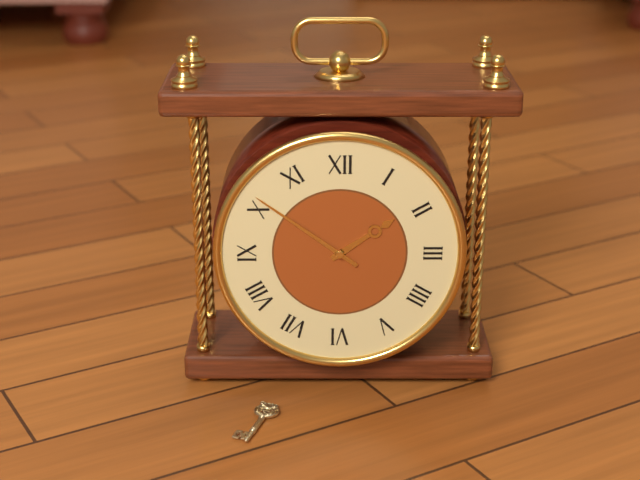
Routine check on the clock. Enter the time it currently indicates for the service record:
1:51
